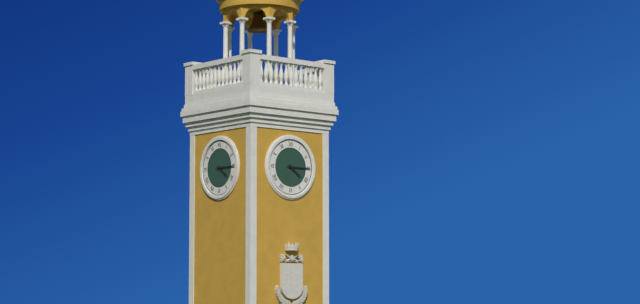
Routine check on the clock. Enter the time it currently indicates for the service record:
4:15
